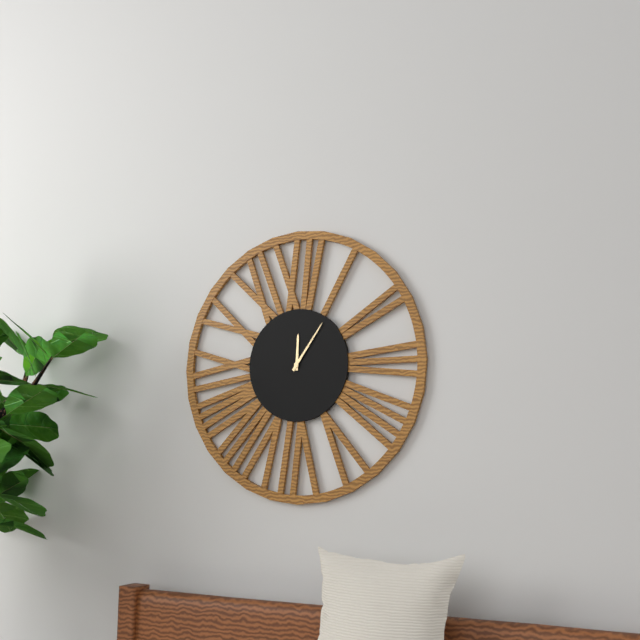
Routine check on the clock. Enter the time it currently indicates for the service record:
12:06
